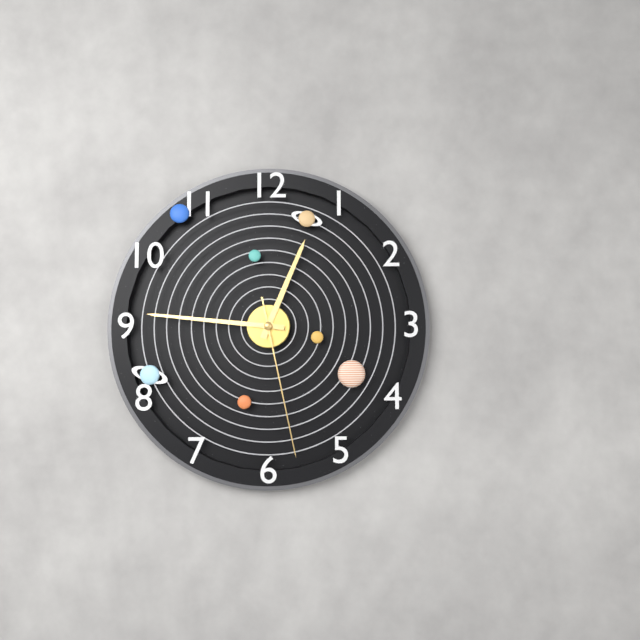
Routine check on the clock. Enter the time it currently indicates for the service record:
12:46:28
